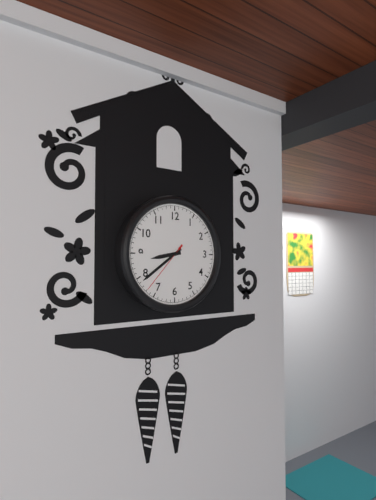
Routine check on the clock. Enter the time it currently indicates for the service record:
8:39:37
